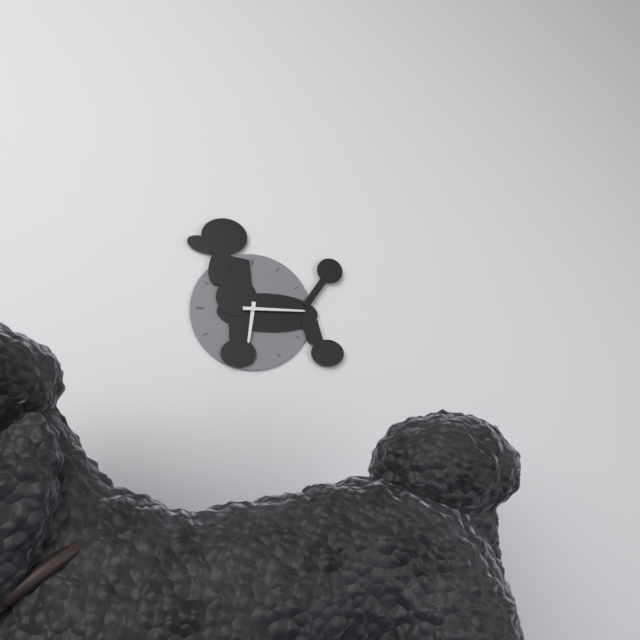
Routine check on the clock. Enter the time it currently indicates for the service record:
6:15
